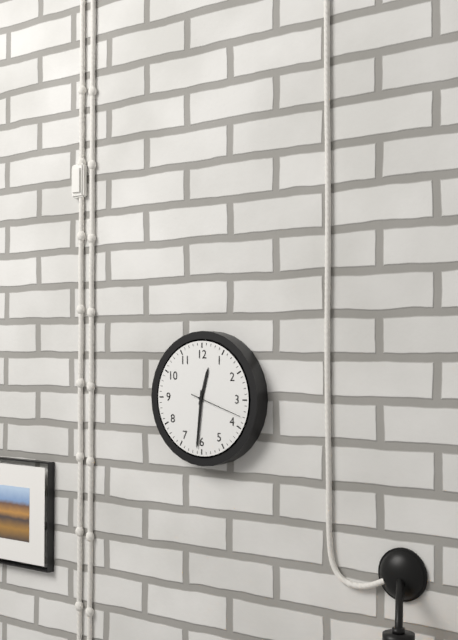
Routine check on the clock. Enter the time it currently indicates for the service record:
12:31:18
